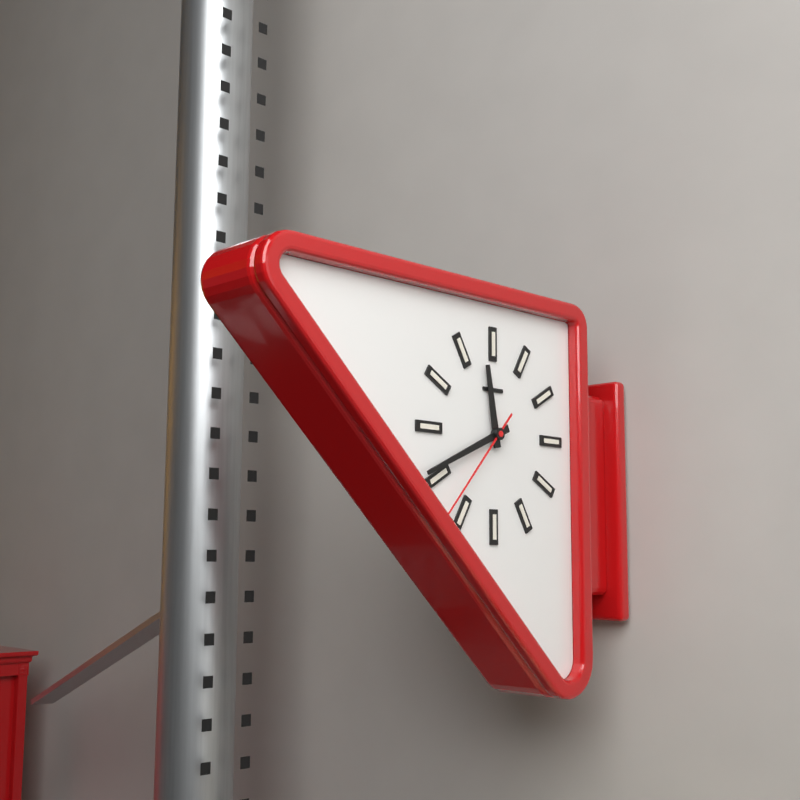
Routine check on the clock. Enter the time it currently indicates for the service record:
11:41:37
